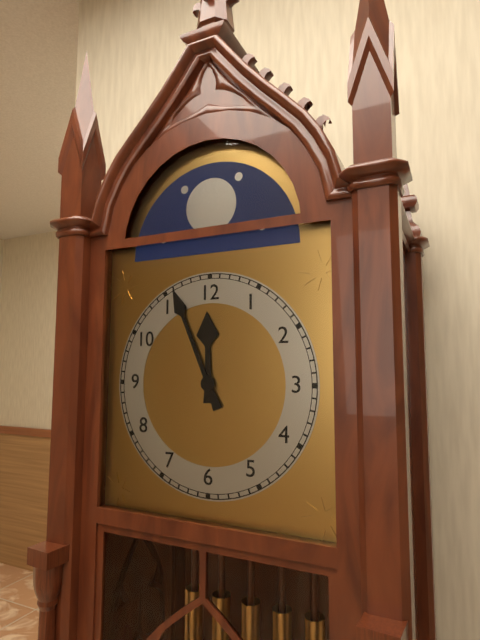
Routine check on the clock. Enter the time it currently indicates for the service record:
11:56
